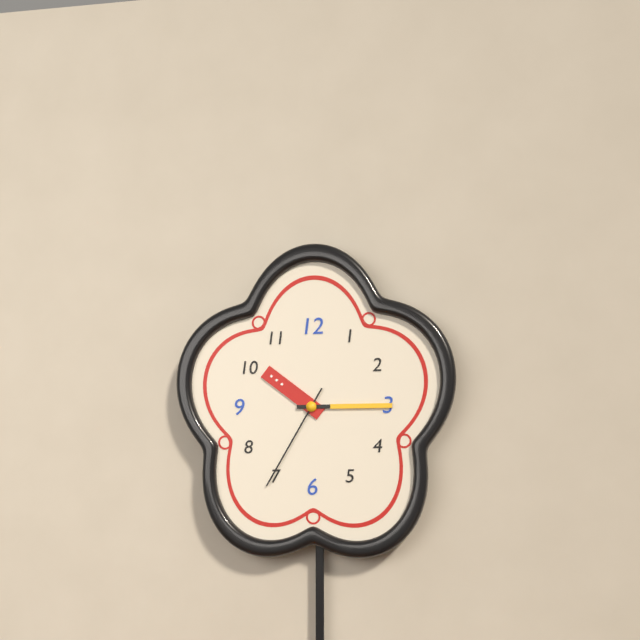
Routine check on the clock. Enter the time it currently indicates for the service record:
10:15:35
